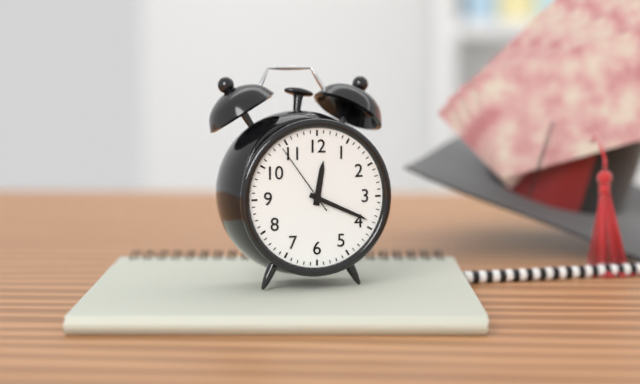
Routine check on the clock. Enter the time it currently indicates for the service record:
12:19:54
